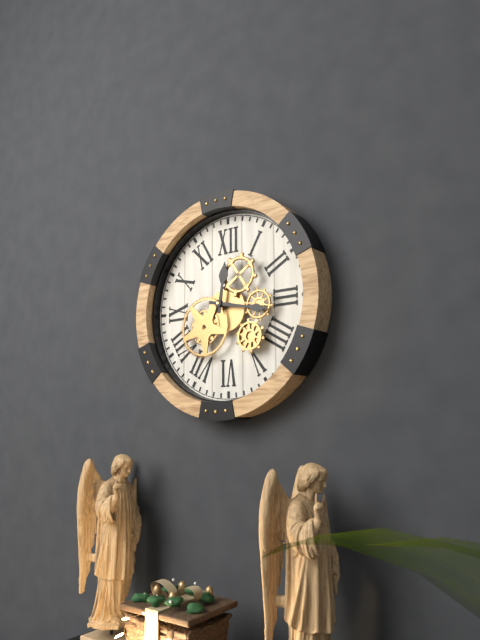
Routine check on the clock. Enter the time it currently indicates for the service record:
12:17
